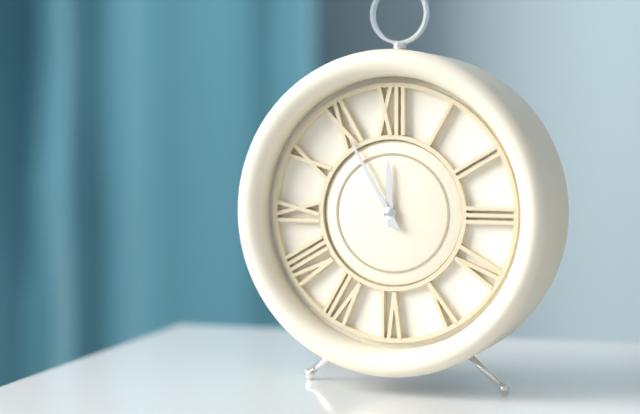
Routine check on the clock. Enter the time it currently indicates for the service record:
11:55
